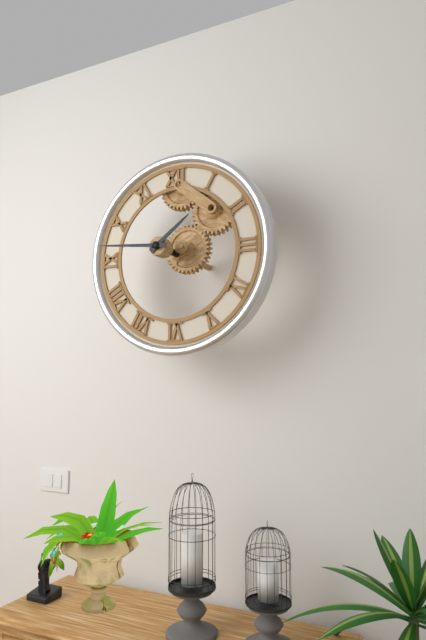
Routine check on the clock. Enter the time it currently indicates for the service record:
1:46
